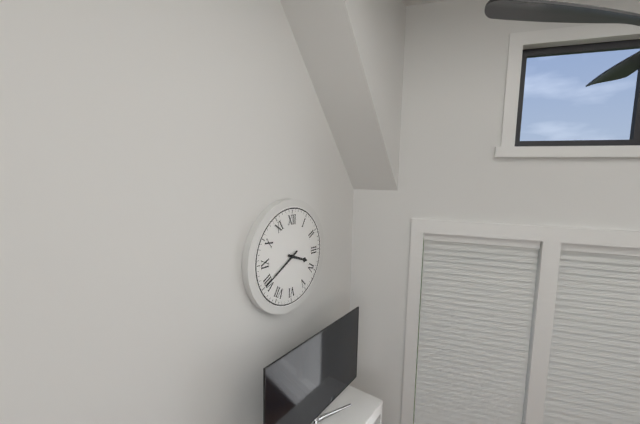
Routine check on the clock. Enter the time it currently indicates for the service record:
3:40
